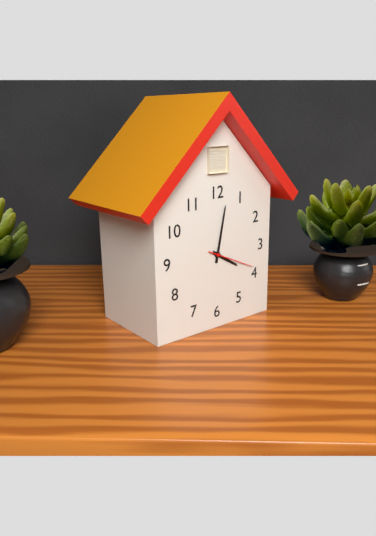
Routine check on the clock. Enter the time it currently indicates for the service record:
4:02
